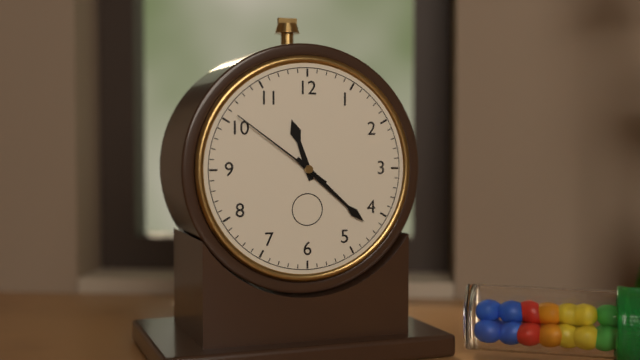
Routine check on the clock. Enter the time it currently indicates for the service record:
11:22:51
